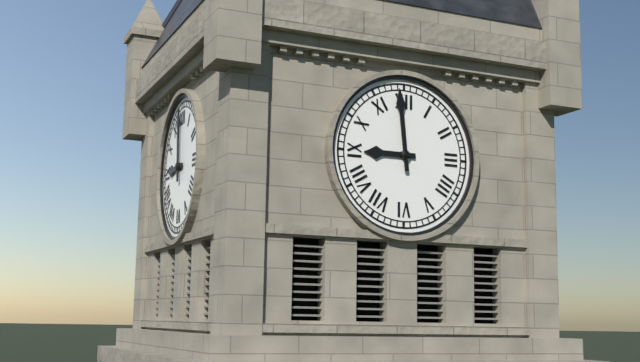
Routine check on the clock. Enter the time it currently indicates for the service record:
8:59
